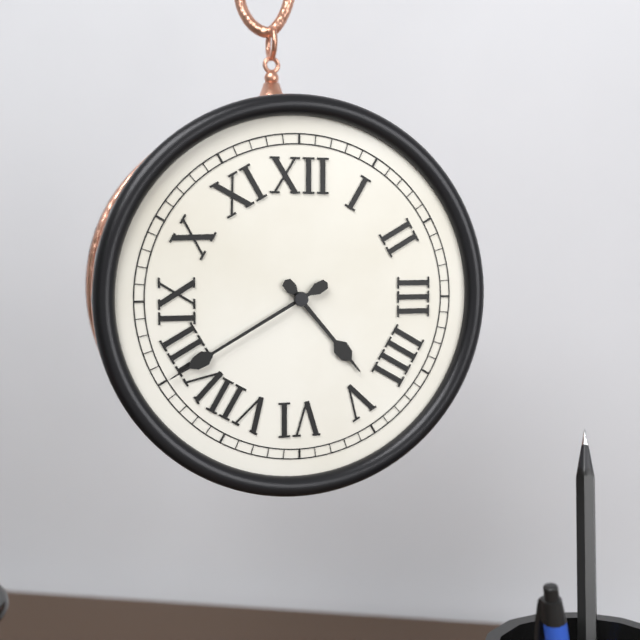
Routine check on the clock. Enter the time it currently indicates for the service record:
4:40
